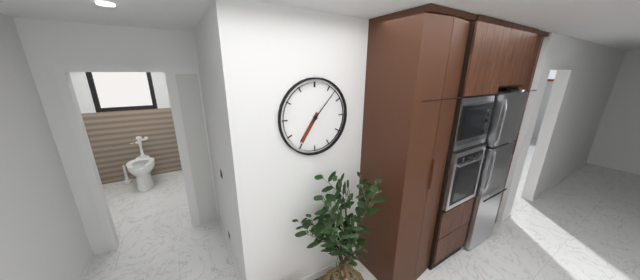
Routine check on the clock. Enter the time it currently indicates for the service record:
7:07
